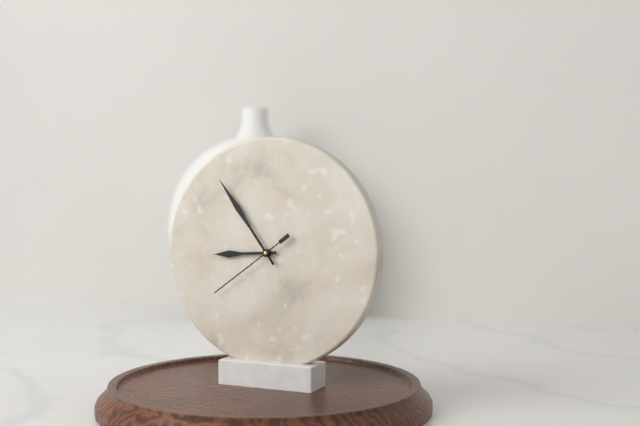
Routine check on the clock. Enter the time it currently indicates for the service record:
8:54:39
